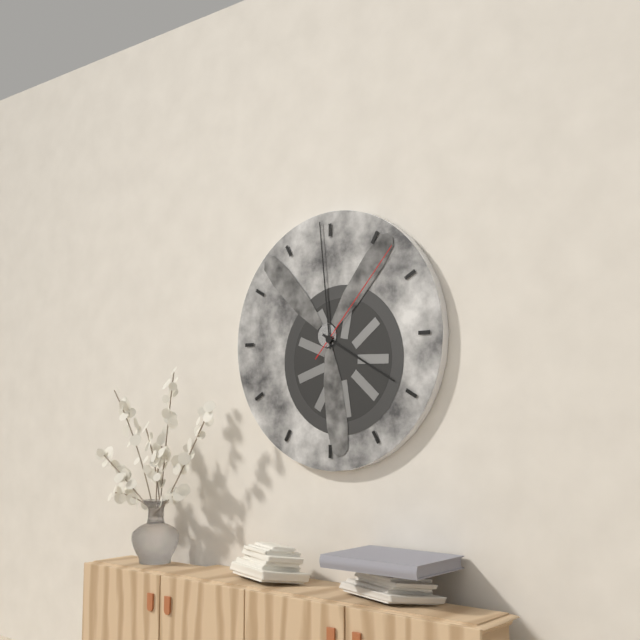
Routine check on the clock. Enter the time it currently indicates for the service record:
3:59:07
